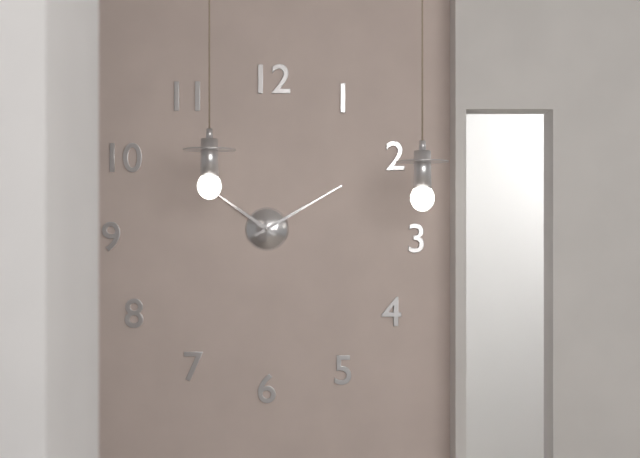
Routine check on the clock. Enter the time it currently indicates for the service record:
10:10
